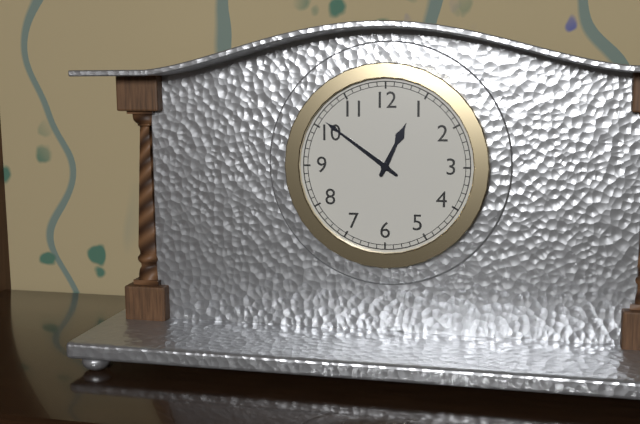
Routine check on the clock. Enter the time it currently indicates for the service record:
12:51
